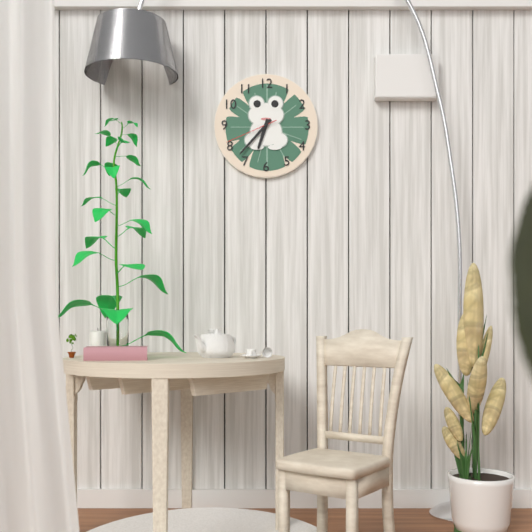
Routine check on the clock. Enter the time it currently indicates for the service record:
6:37:41
